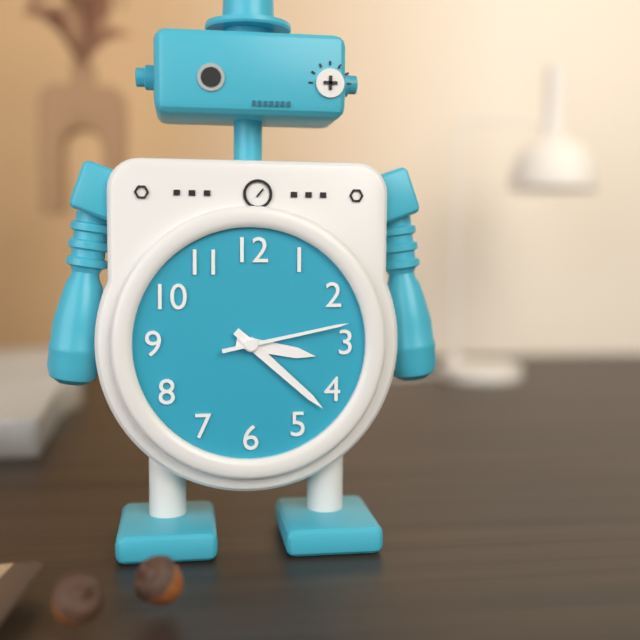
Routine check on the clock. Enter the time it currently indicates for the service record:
3:22:13
